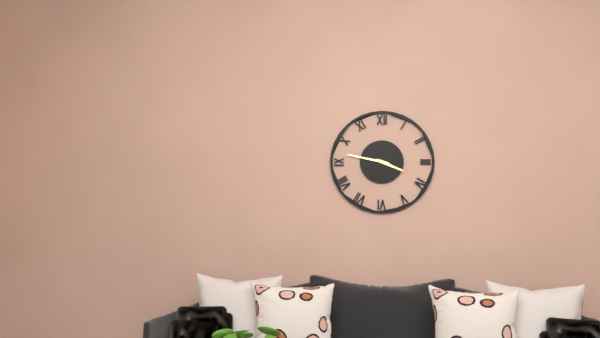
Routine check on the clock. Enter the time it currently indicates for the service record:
3:47
